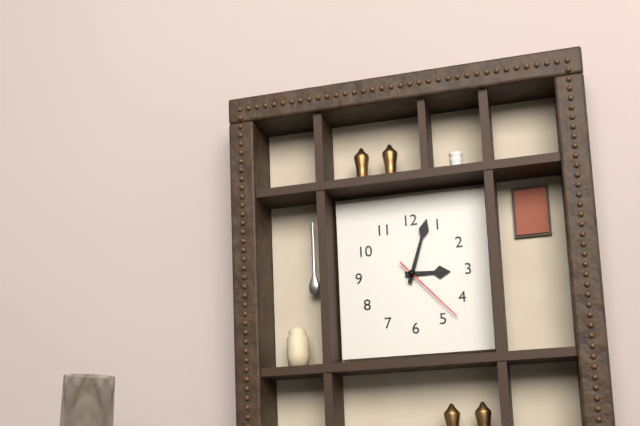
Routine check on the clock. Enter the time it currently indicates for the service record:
3:03:23
